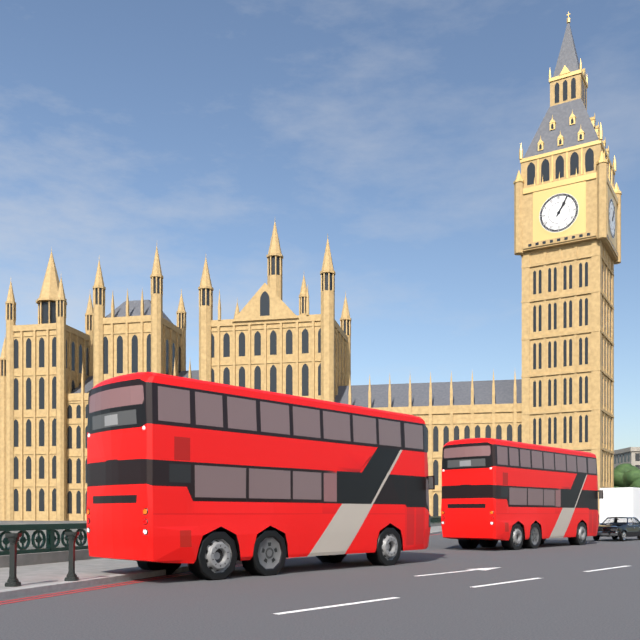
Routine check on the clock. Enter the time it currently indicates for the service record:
1:05
